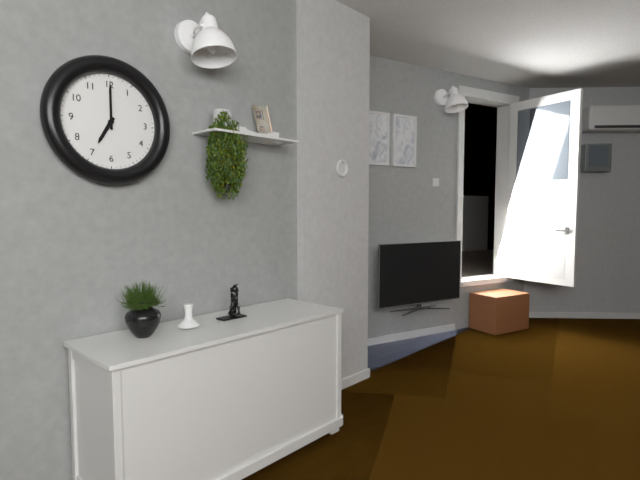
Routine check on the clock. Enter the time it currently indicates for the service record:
7:00
